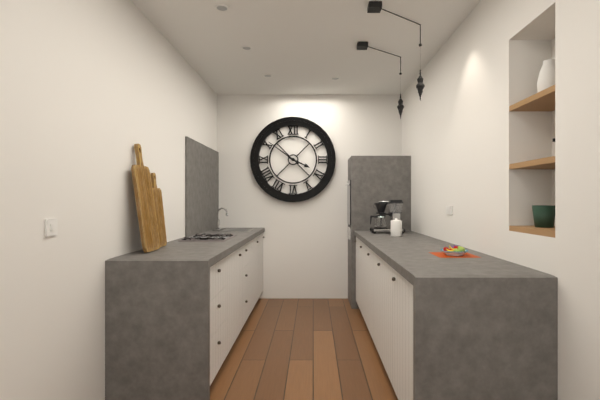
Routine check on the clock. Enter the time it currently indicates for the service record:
3:51
